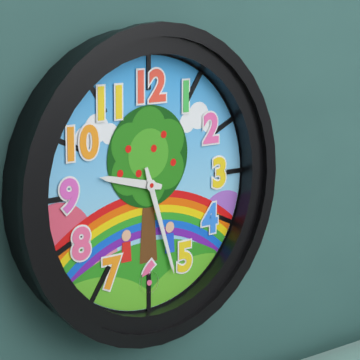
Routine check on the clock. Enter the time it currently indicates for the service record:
9:27
